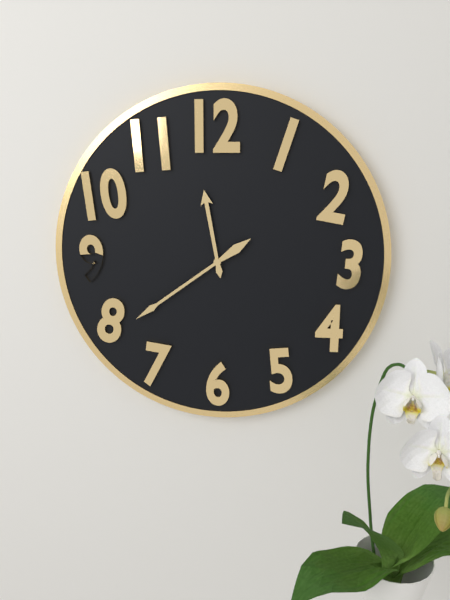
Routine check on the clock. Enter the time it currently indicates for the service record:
11:39
